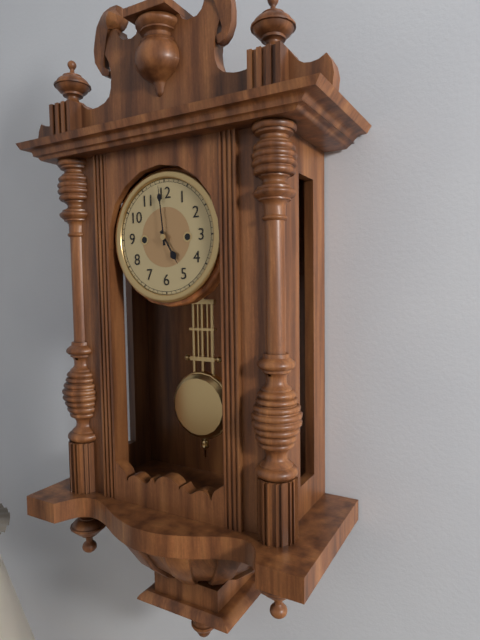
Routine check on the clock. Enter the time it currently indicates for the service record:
4:59
